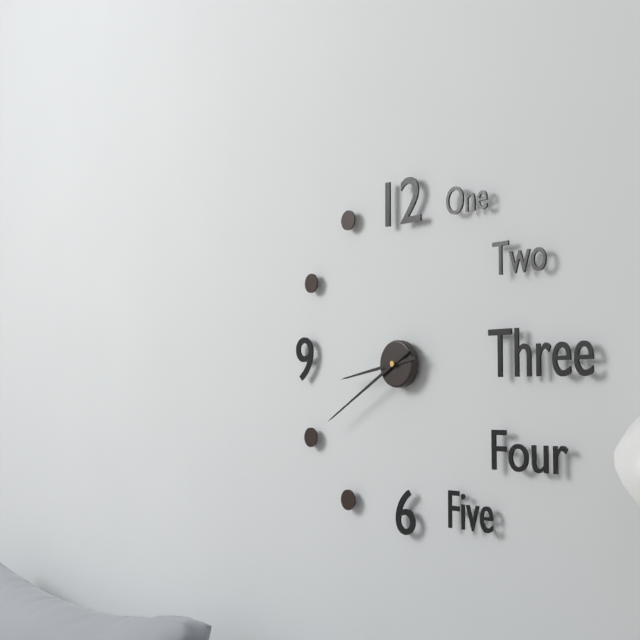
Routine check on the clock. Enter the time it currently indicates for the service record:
8:40
